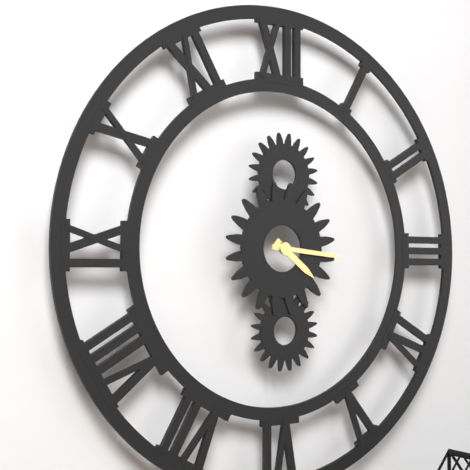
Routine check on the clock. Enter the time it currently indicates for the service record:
4:16
